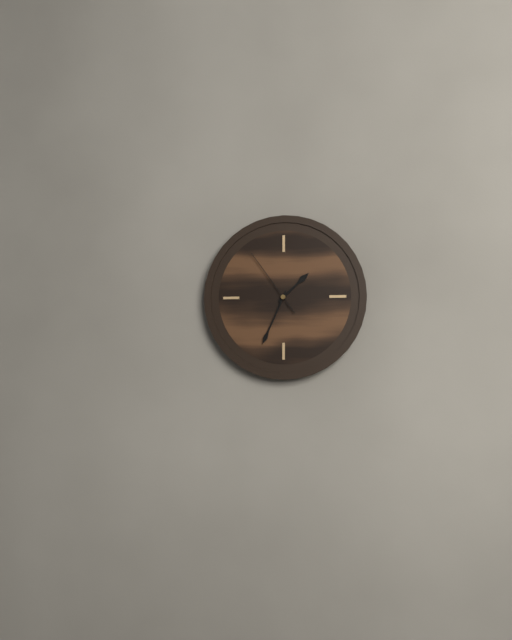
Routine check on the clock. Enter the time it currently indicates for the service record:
1:34:54
